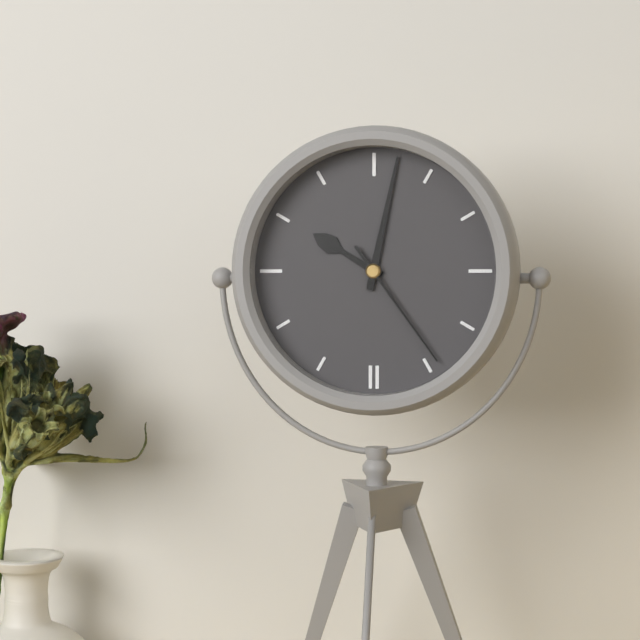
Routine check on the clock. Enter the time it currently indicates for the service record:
10:02:24
